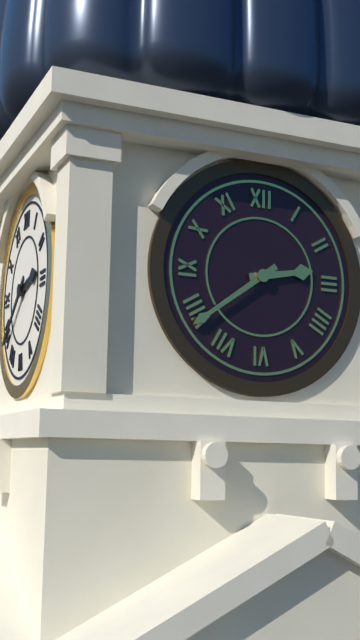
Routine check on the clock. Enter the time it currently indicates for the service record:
2:39
